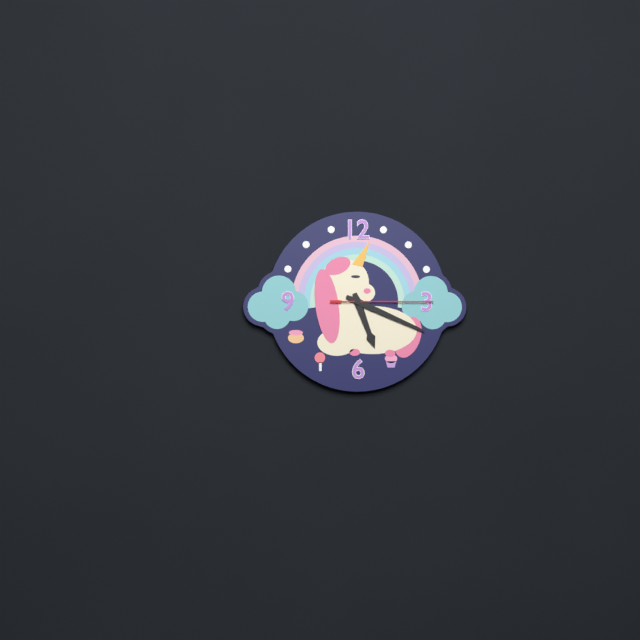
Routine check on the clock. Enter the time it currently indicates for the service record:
5:19:15
